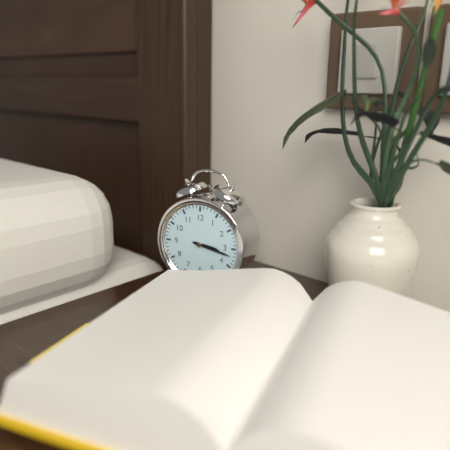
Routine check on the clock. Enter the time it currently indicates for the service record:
3:17
